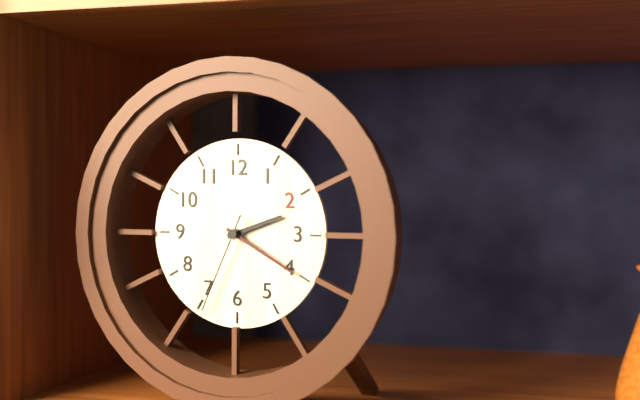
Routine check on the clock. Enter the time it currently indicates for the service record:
2:20:34
